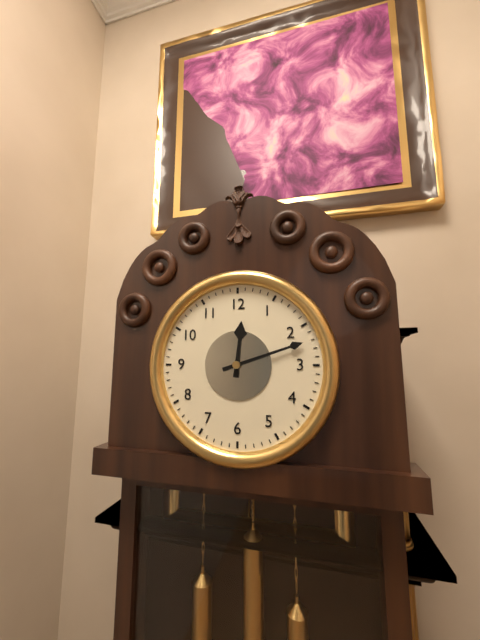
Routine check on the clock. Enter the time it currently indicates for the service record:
12:12
